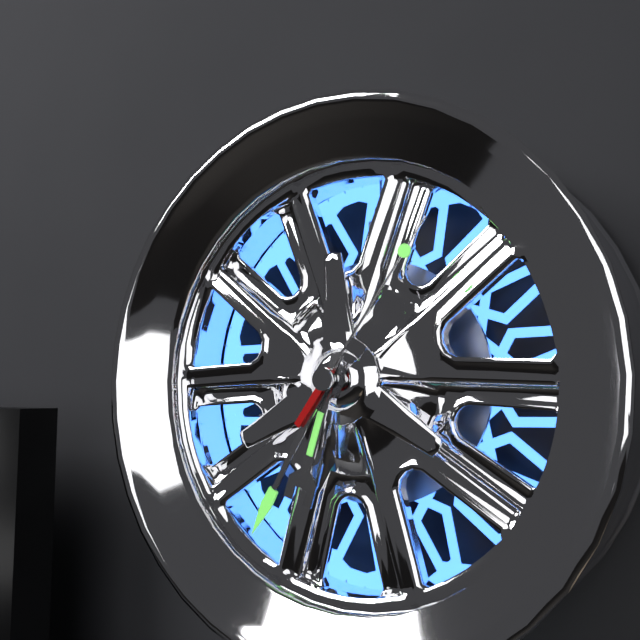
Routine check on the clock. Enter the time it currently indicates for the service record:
6:35:06
